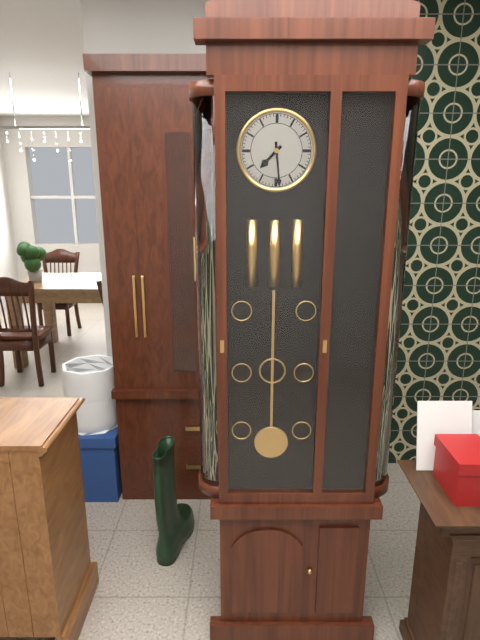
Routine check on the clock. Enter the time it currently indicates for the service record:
7:29
